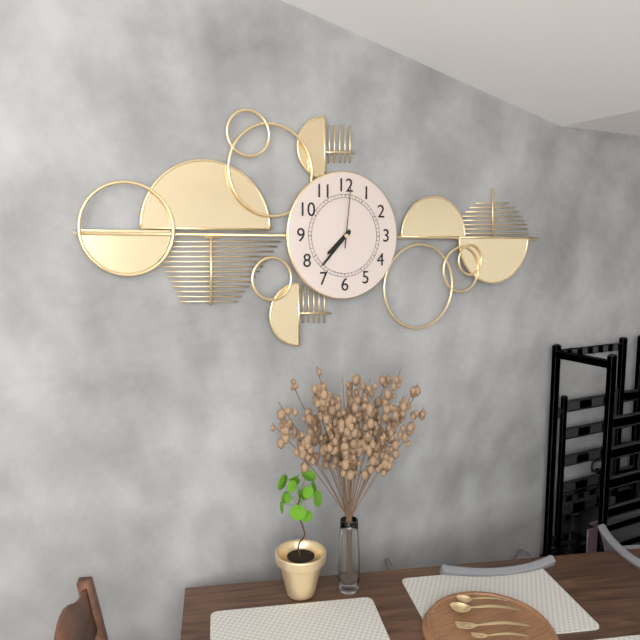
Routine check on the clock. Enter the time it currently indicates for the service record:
7:37:01
